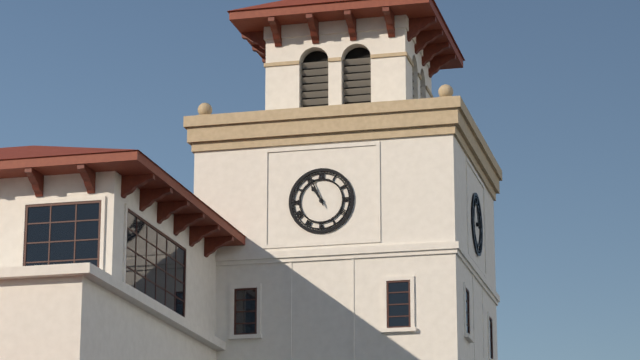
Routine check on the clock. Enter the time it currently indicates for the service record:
10:56
